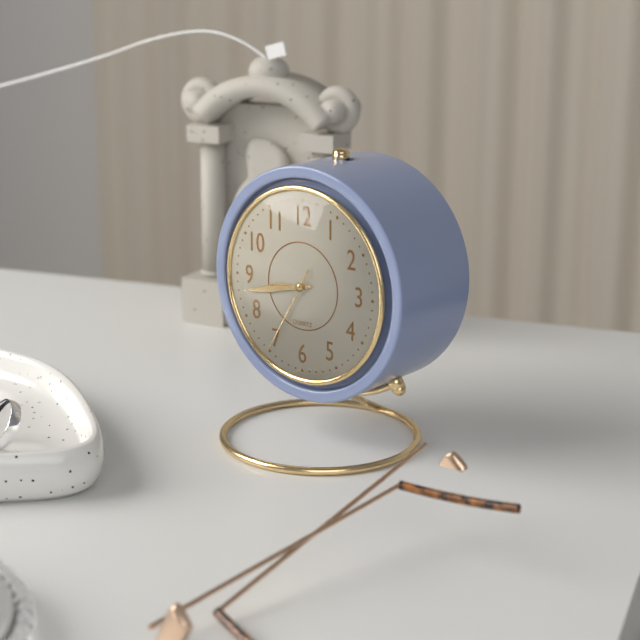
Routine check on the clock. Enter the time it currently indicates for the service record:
8:43:35
